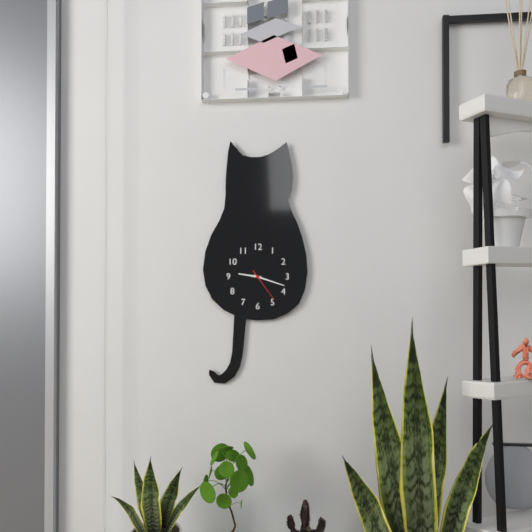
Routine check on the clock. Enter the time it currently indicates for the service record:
9:18
